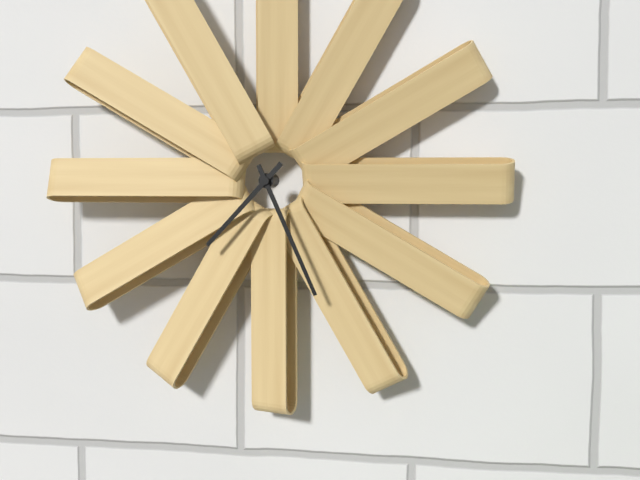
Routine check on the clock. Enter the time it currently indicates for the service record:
7:26
